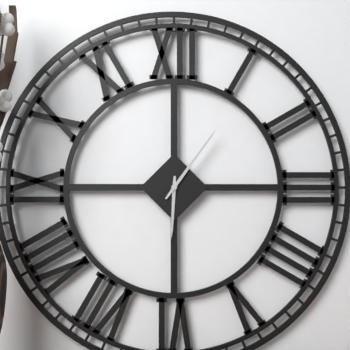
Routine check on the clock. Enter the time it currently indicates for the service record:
6:06
